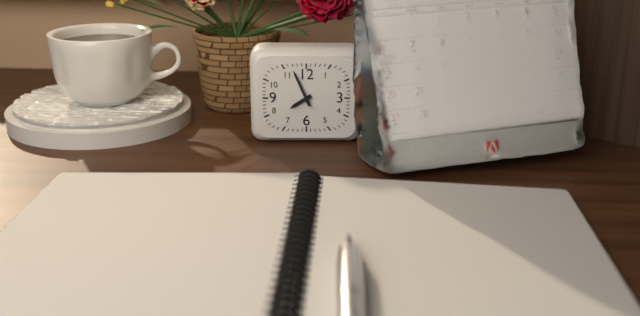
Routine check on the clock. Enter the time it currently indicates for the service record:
7:56
